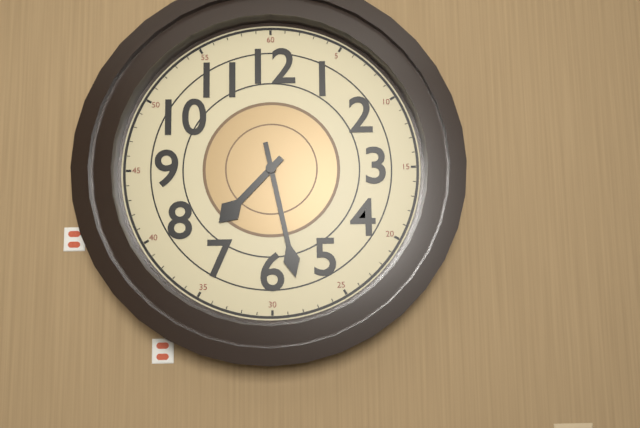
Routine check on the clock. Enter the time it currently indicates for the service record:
7:28
